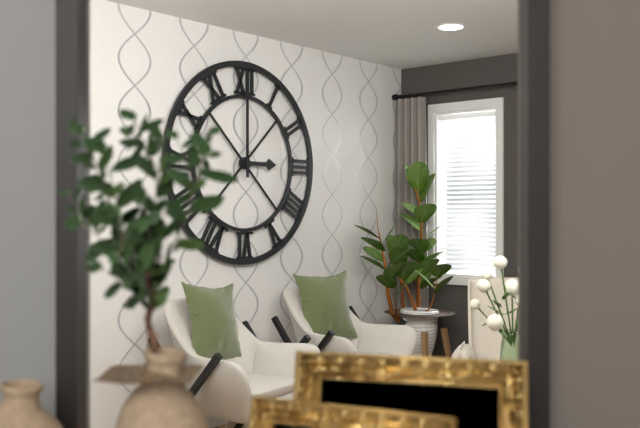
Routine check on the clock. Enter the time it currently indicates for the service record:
3:00
